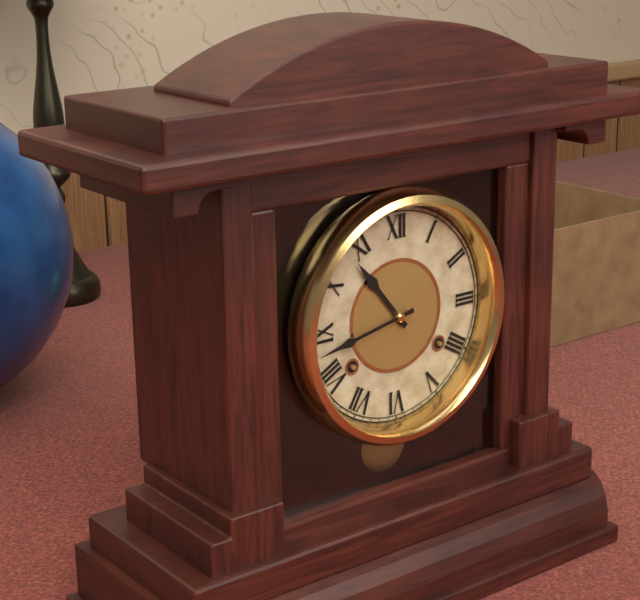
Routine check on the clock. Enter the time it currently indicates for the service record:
10:43
